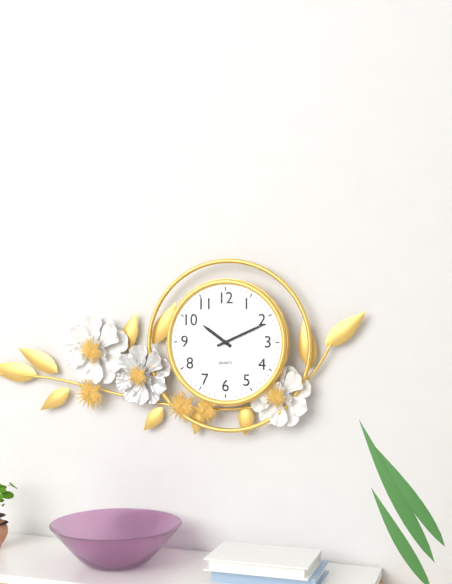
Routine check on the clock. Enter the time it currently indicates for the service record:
10:11
